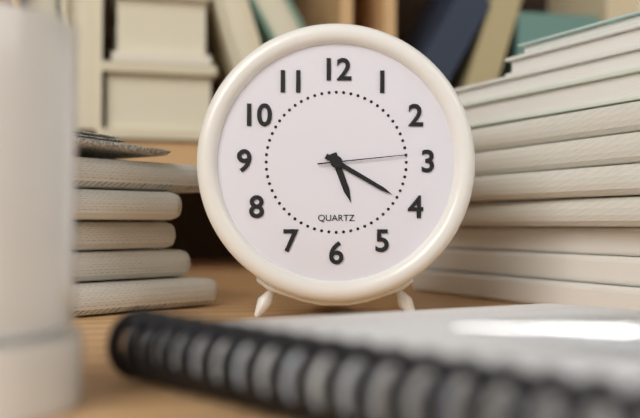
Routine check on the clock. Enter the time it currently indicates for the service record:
5:20:14
